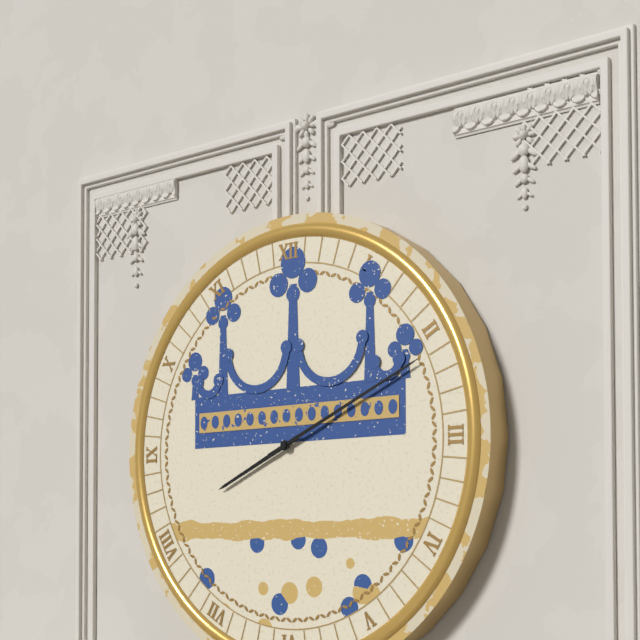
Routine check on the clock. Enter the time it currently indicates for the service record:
8:11
